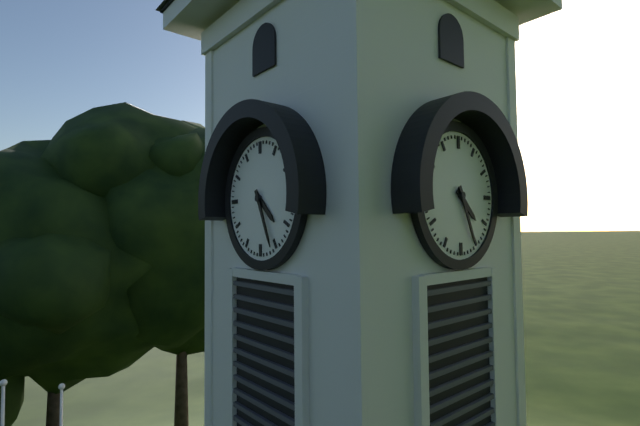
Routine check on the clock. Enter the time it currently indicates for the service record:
4:26
